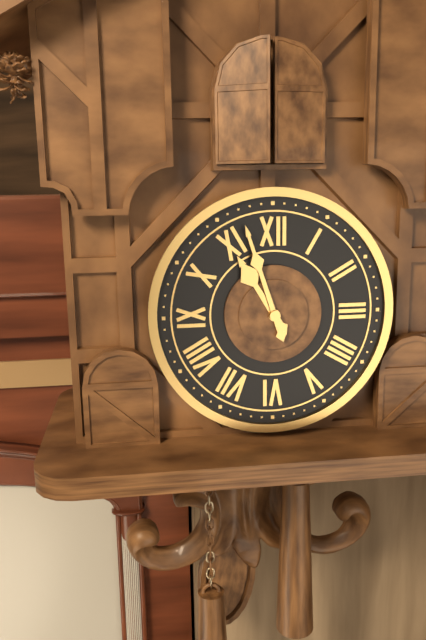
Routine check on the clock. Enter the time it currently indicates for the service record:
10:57
